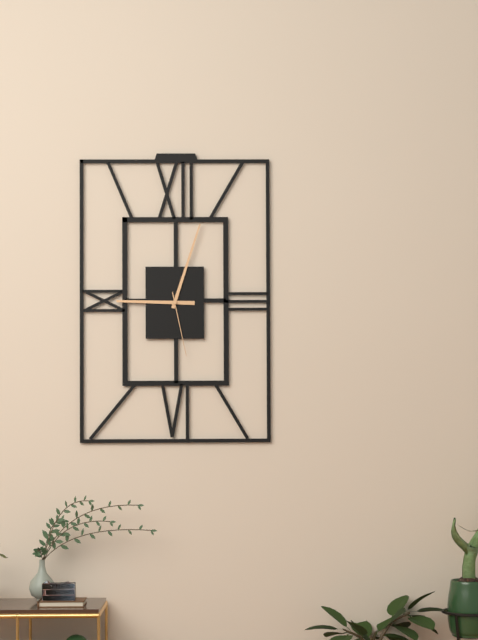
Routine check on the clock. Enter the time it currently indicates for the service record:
9:03:28
